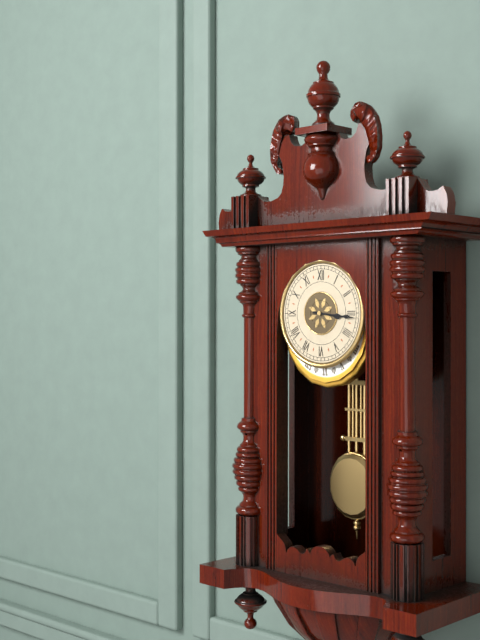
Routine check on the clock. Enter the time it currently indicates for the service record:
3:16
